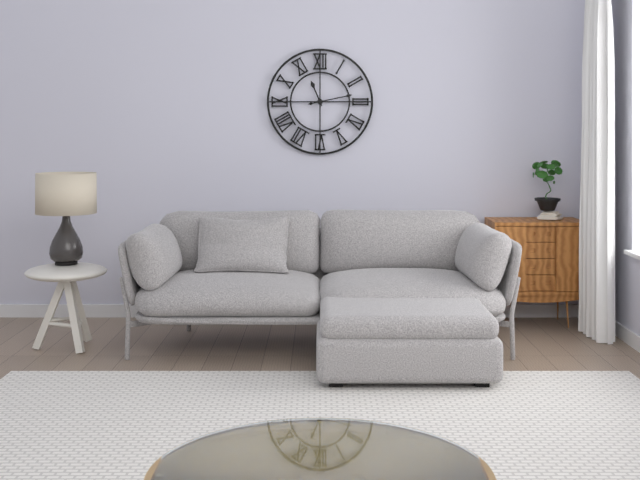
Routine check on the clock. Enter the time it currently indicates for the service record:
11:13
